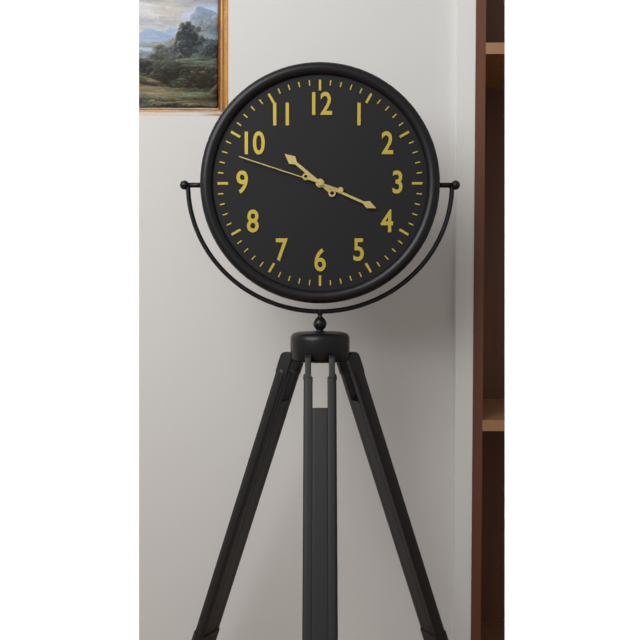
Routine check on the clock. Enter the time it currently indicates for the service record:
10:19:48
